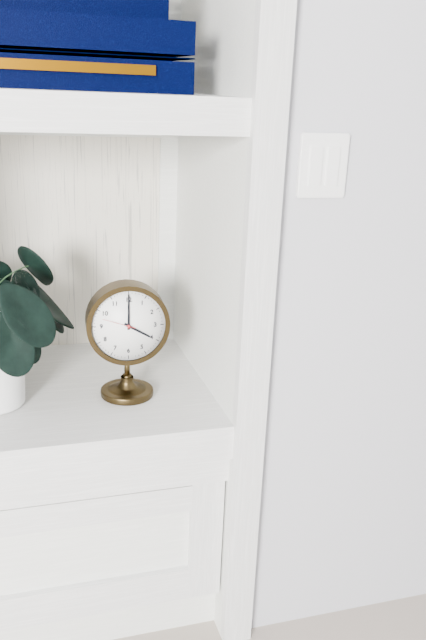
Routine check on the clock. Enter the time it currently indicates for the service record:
4:00
